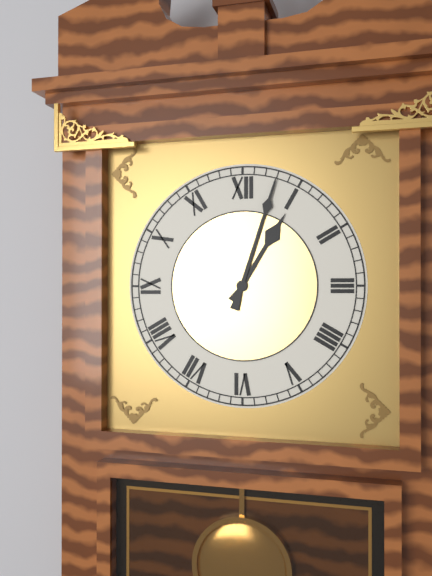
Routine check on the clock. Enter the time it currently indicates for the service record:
1:03
